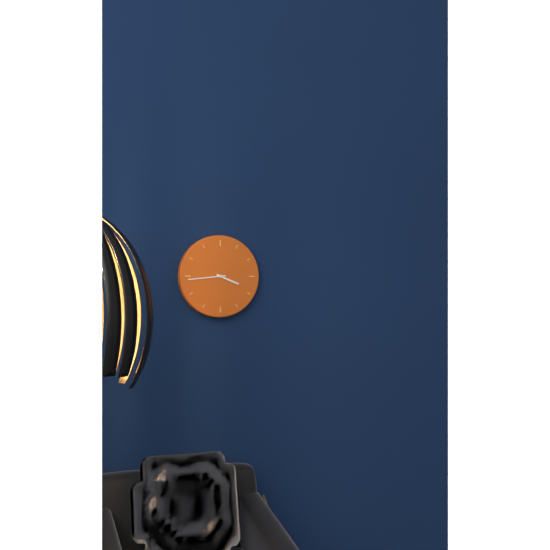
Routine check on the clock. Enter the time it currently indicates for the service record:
3:44
